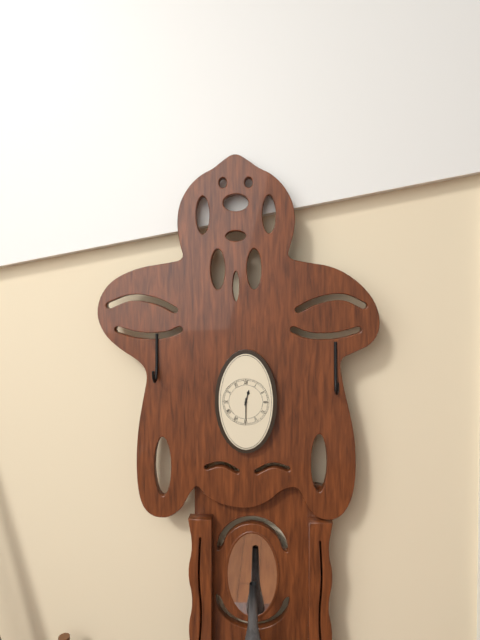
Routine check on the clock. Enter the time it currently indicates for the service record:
12:30
